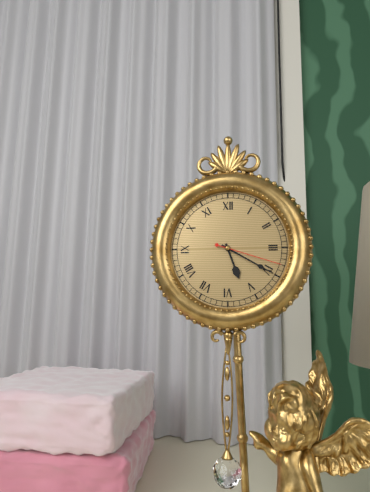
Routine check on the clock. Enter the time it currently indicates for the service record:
5:20:18
